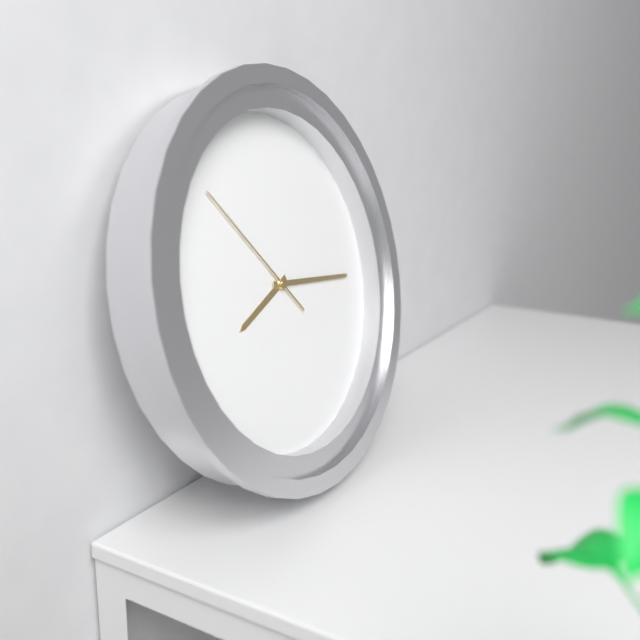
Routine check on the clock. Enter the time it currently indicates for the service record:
8:16:53
